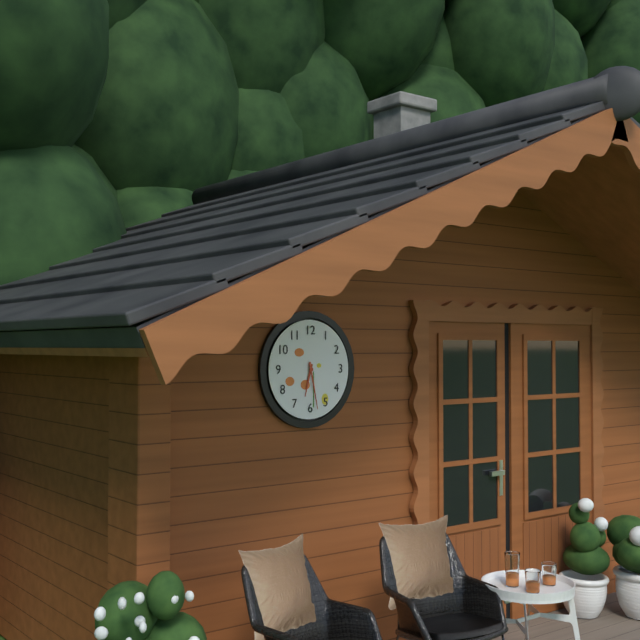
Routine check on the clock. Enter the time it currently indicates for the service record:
6:28
